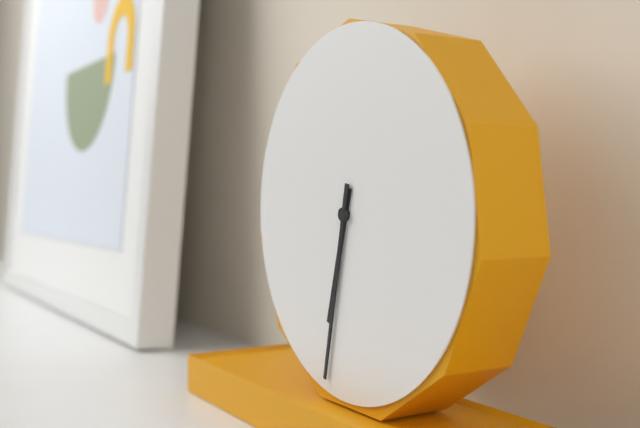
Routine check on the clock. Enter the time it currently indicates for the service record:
6:32
